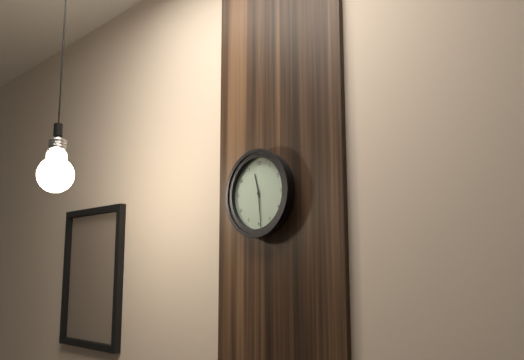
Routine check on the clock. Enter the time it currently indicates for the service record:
11:29
